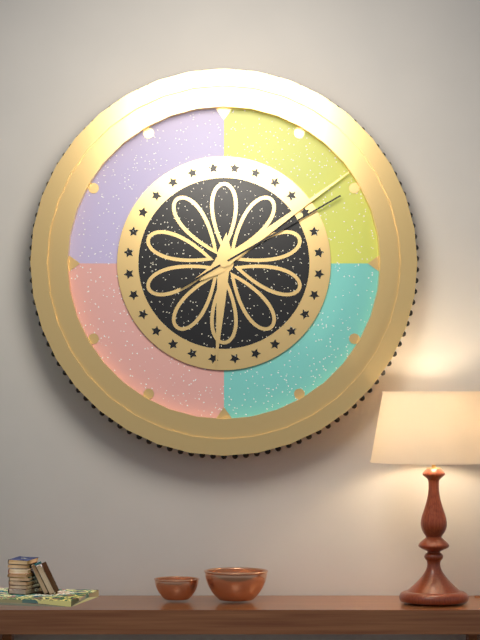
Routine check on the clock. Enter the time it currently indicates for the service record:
6:09:10
